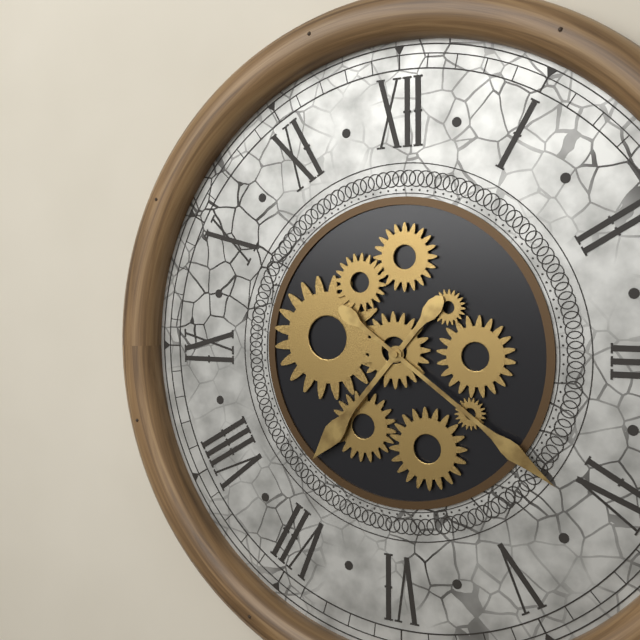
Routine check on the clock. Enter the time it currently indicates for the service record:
7:21
